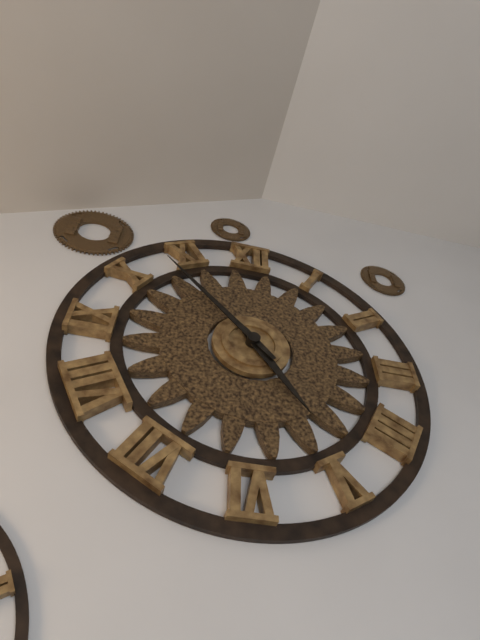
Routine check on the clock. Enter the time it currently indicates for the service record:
4:53
